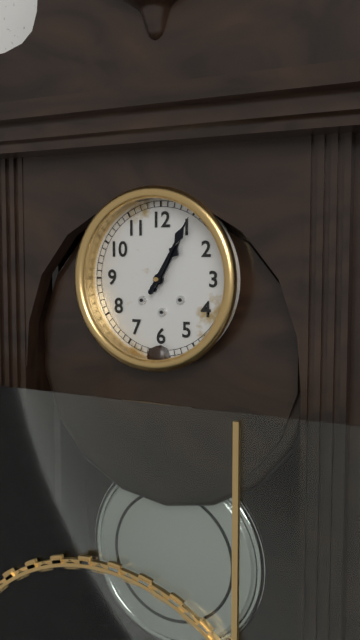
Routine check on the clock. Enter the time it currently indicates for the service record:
1:05
